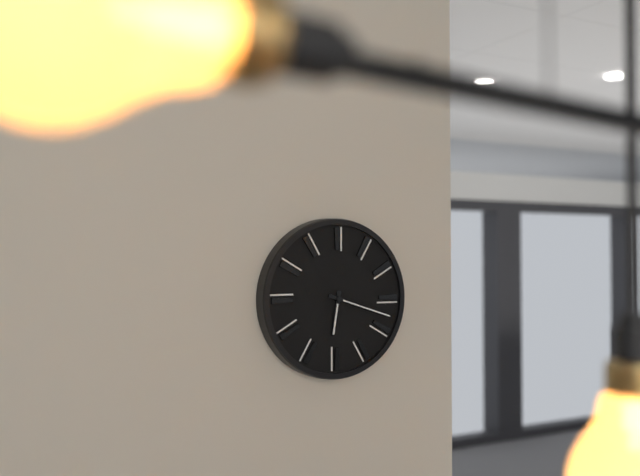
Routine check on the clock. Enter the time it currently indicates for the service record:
6:18
